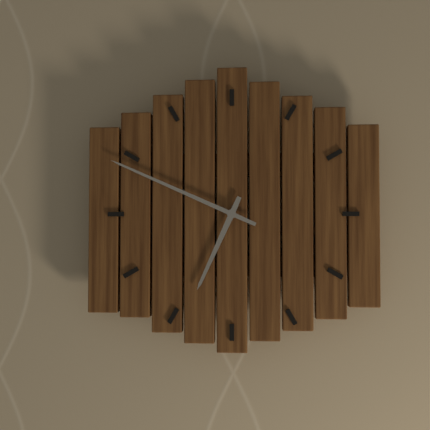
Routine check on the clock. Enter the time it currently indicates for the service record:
6:49
